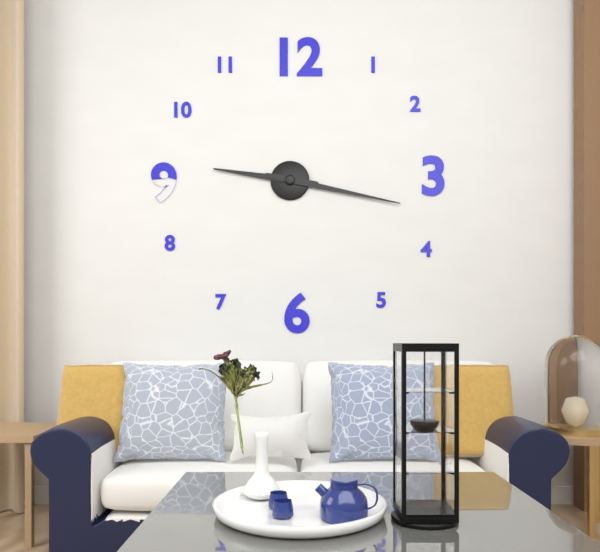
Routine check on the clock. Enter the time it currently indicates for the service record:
9:17
